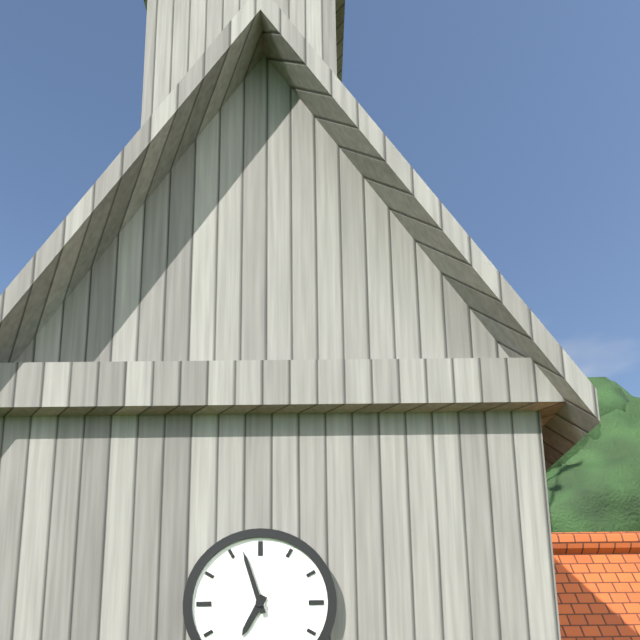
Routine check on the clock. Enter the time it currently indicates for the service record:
6:57
